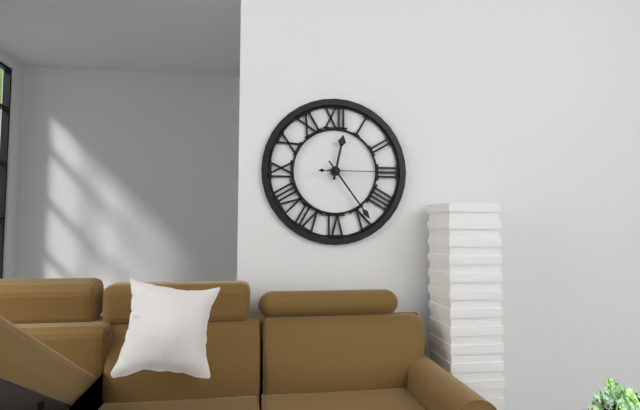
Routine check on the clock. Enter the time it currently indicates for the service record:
12:24:15
